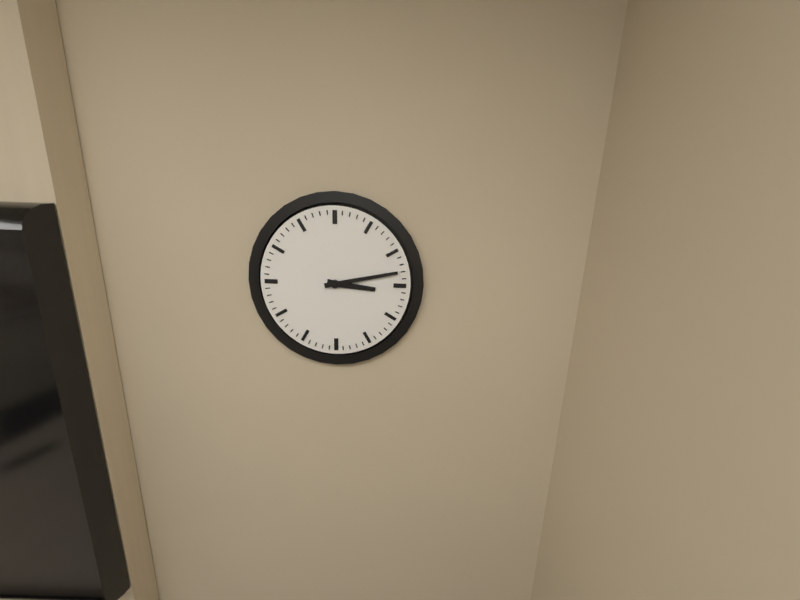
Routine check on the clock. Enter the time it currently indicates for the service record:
3:13
